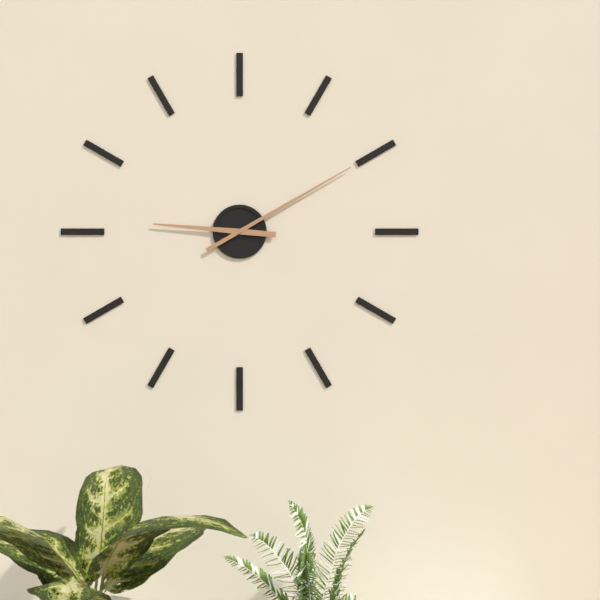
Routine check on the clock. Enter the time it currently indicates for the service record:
9:10
